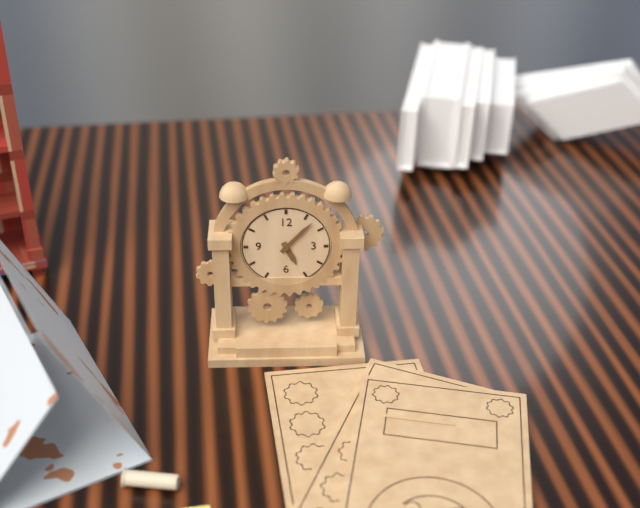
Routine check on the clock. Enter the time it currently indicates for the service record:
5:07
